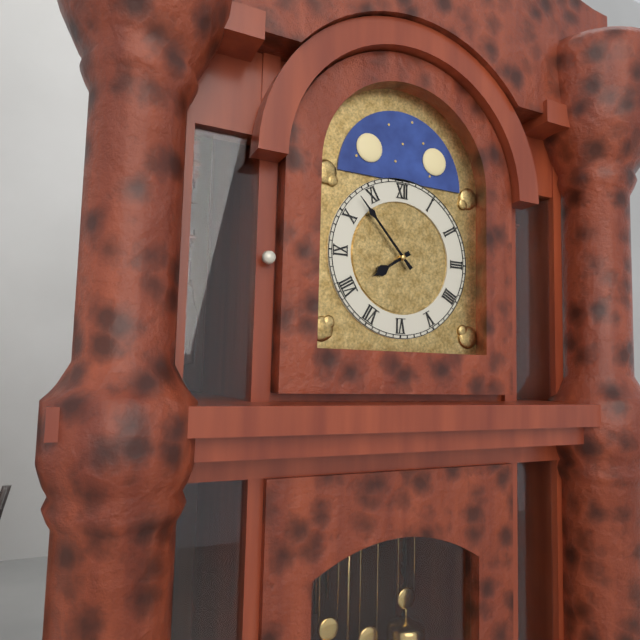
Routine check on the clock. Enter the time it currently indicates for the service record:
7:53
